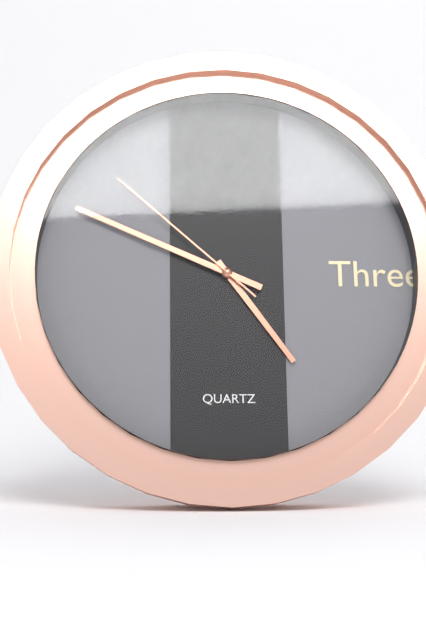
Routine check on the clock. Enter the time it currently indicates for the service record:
4:49:52
